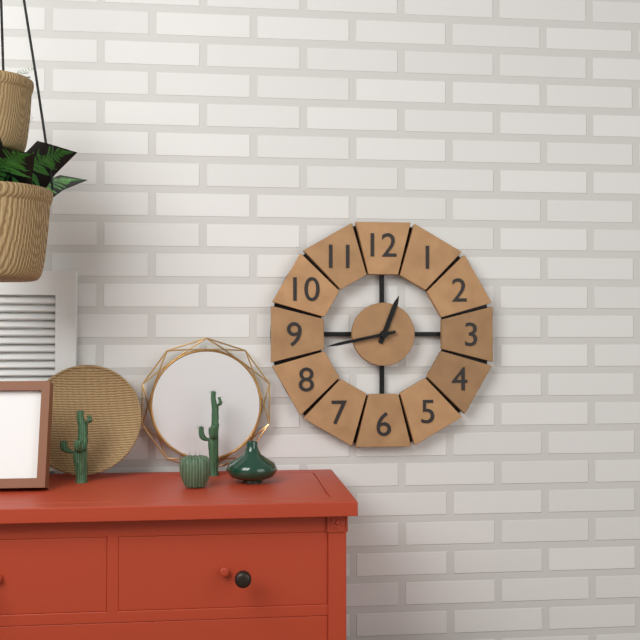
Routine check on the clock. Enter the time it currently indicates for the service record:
12:43
